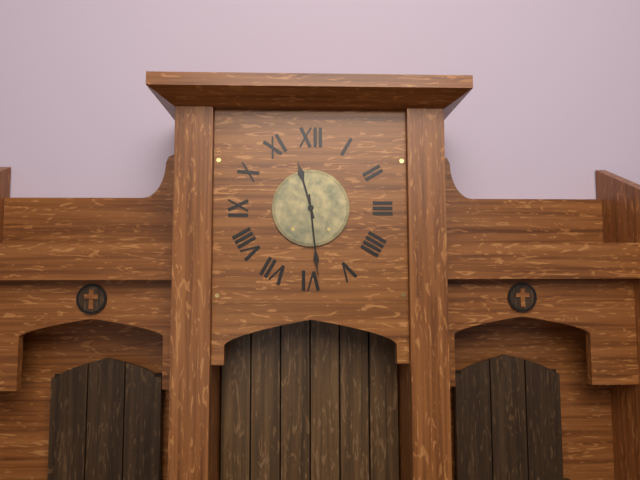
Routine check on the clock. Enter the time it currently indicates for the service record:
11:29
